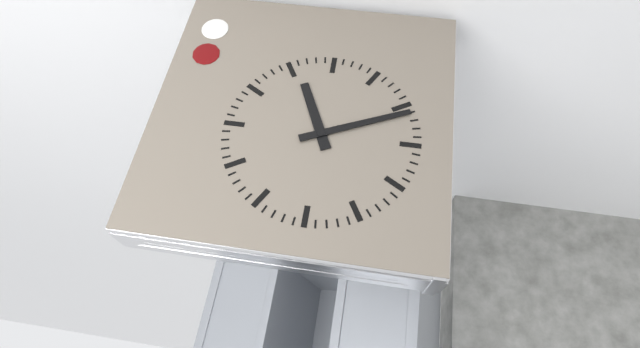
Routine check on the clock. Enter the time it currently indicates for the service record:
11:11
